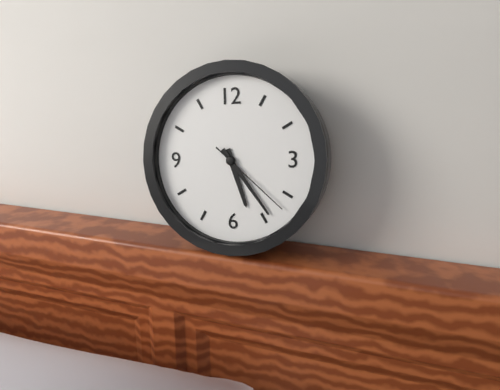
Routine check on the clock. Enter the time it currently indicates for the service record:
5:24:22
